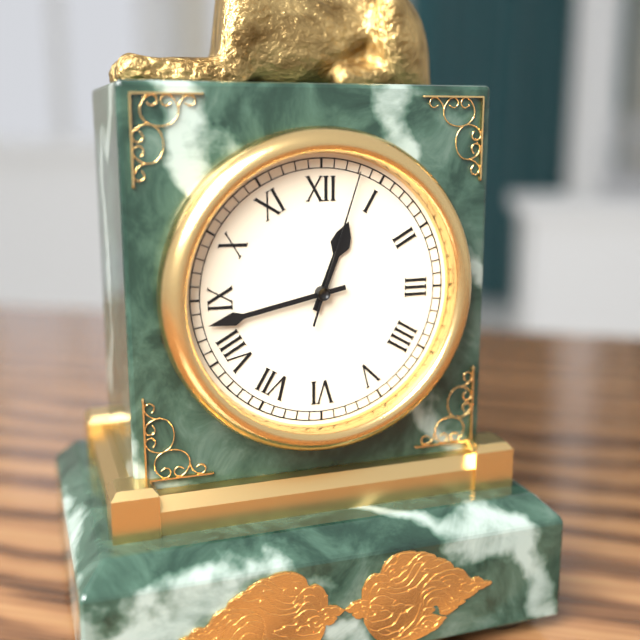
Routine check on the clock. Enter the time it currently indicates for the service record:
12:43:03
